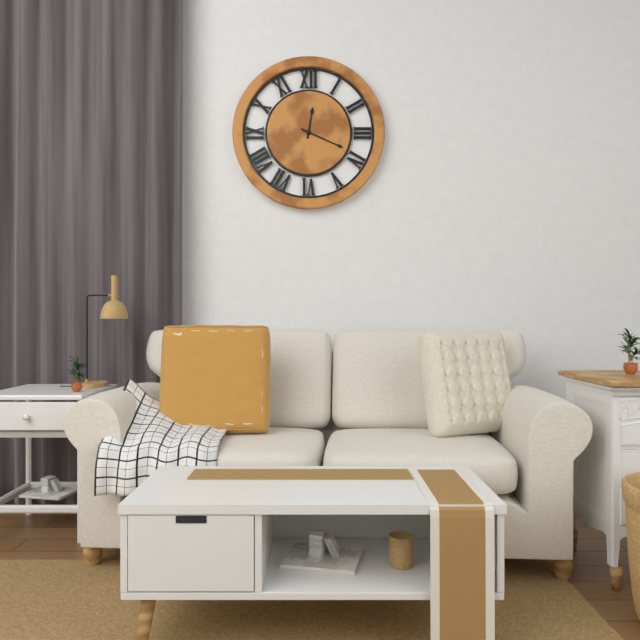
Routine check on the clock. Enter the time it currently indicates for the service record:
12:19
